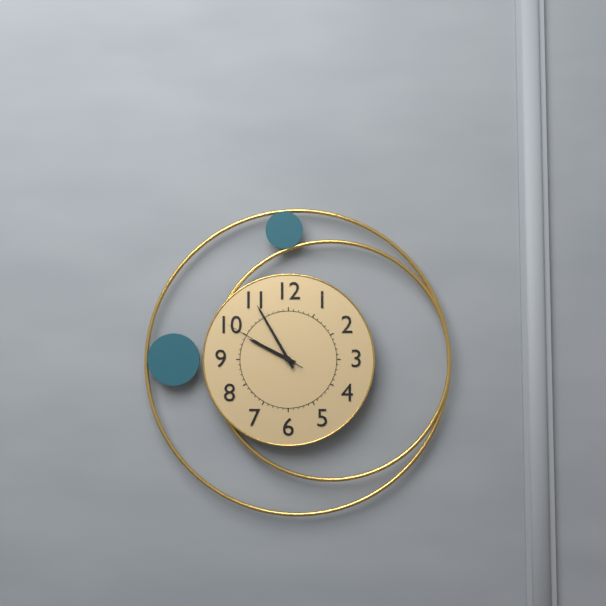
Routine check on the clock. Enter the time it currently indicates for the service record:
9:55:50
